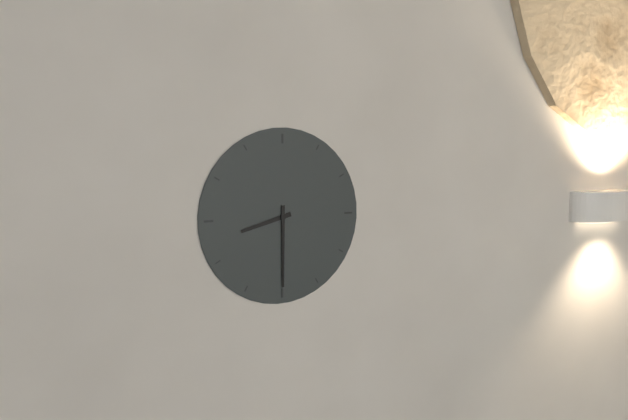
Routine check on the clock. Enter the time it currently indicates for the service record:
8:30
